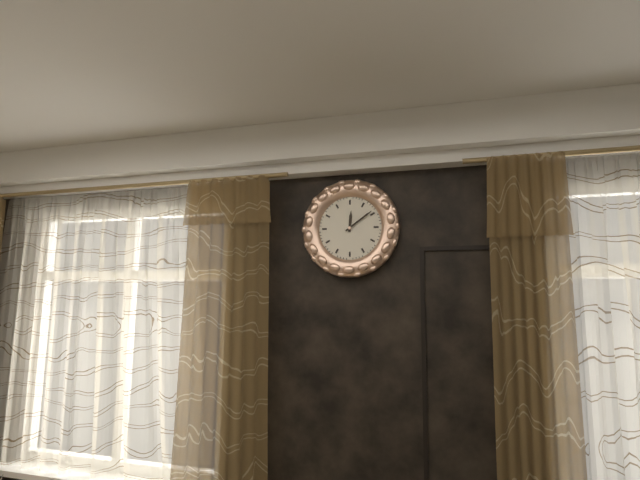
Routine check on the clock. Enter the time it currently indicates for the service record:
12:09
